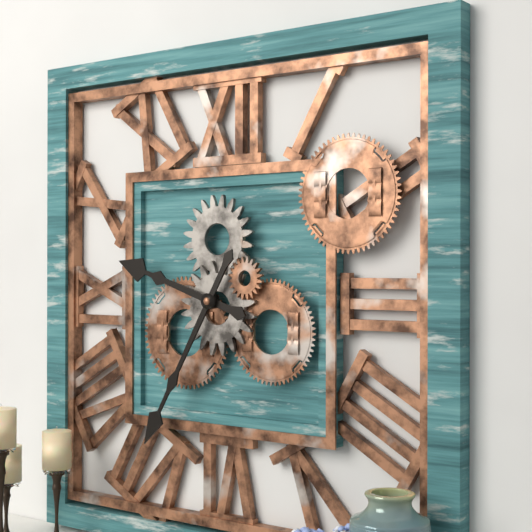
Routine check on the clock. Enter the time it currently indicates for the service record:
9:35
